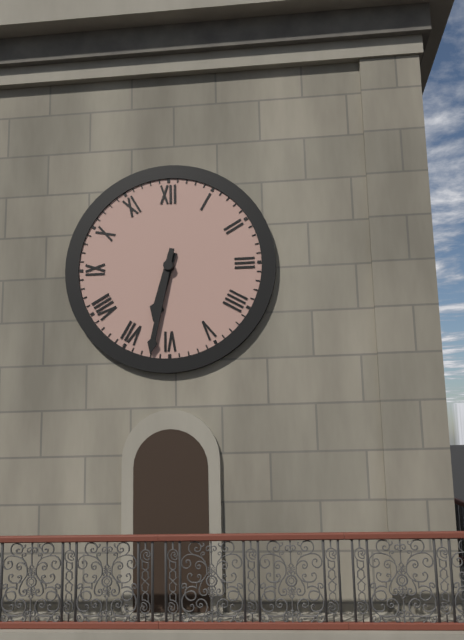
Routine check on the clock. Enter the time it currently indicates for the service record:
6:32
